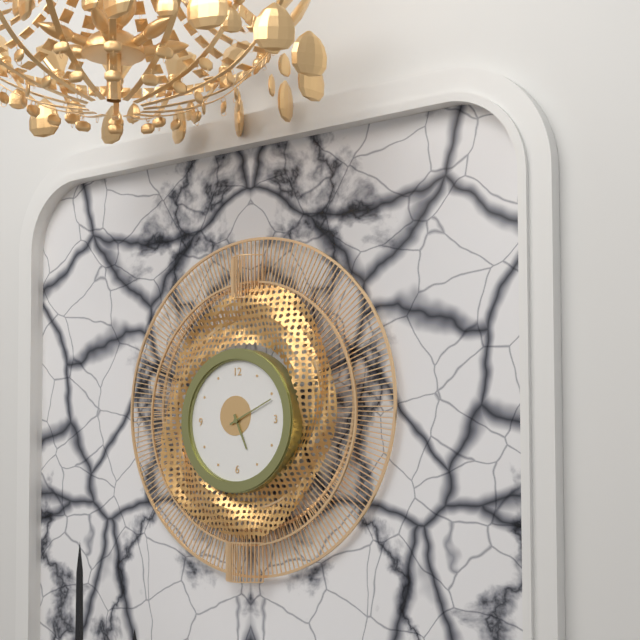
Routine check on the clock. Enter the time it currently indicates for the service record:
5:11
